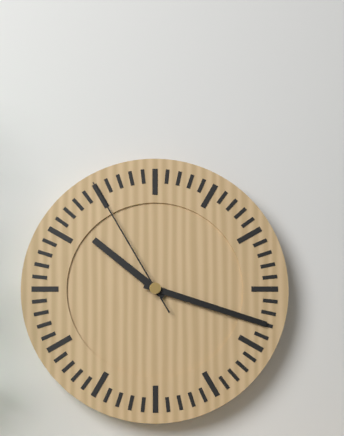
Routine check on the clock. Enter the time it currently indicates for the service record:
10:18:55
